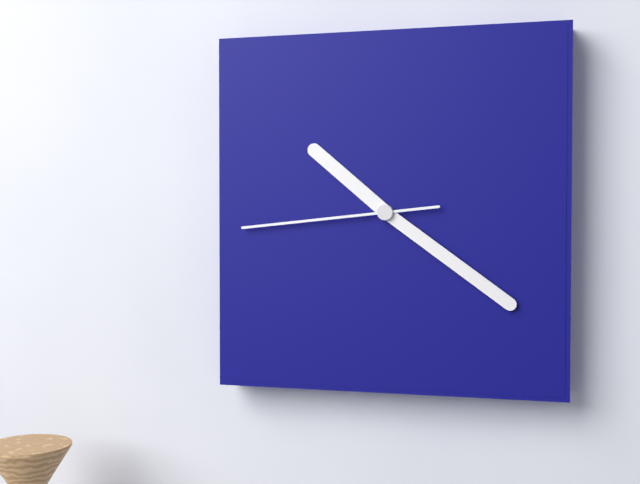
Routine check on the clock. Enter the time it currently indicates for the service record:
10:21:44
